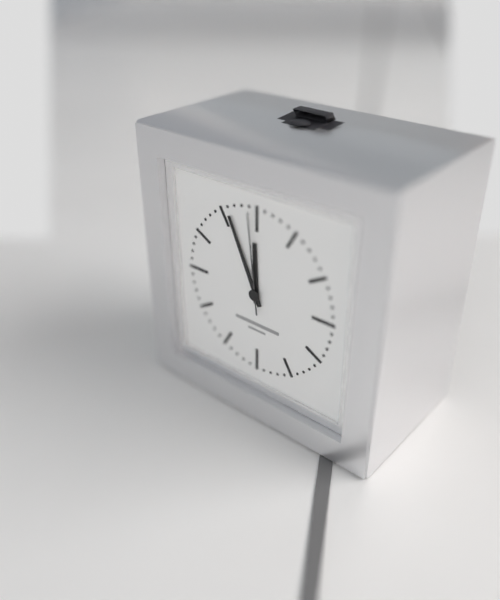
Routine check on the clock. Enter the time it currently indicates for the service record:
11:56:59
